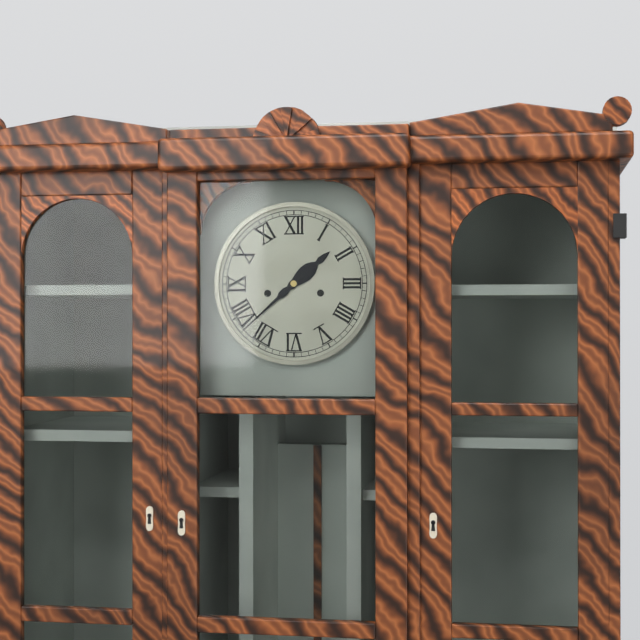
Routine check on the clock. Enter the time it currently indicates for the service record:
1:38
